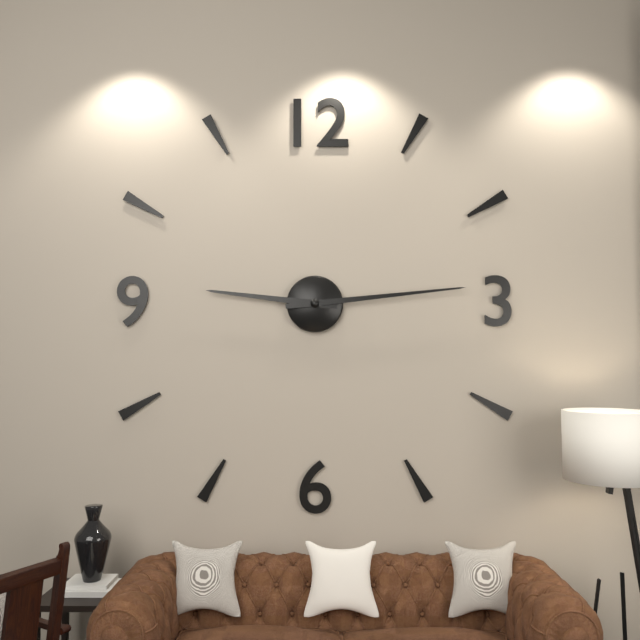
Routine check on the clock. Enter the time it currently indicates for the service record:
9:14
